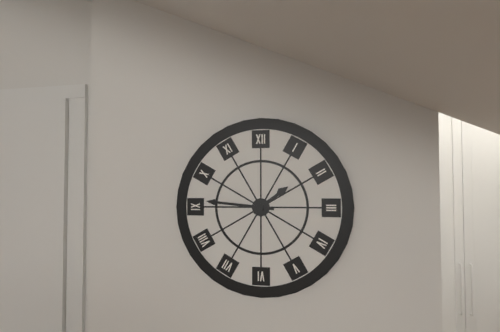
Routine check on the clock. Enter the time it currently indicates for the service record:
1:46
